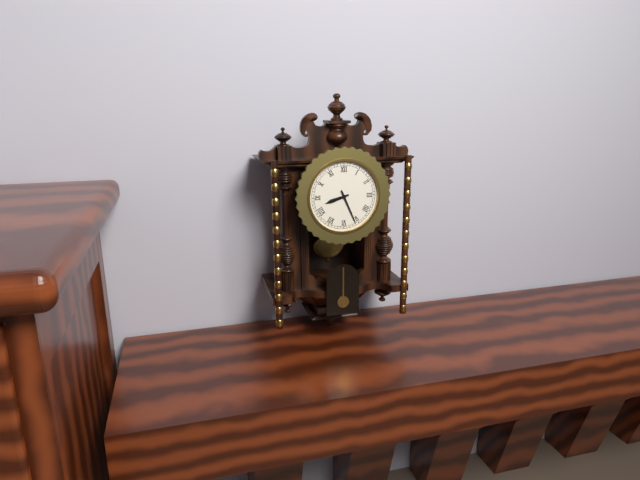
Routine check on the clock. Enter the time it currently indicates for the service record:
8:26
